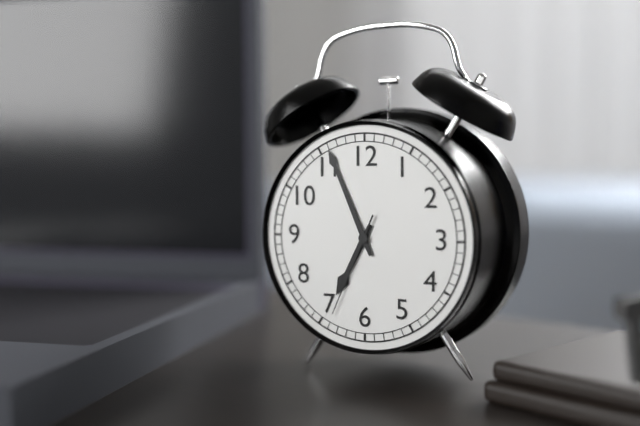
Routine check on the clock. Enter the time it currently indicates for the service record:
6:56:34
